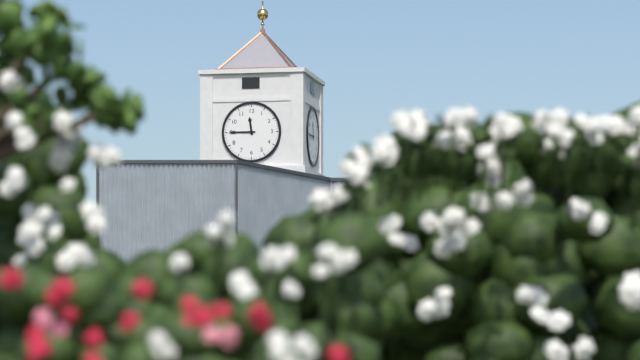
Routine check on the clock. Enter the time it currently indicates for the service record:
11:45
